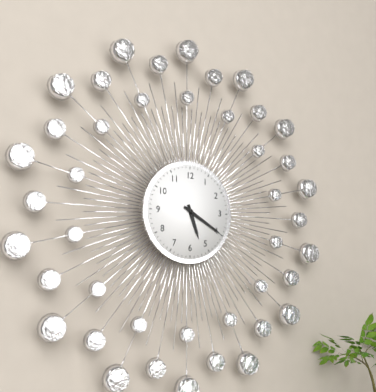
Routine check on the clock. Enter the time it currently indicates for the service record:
5:20
